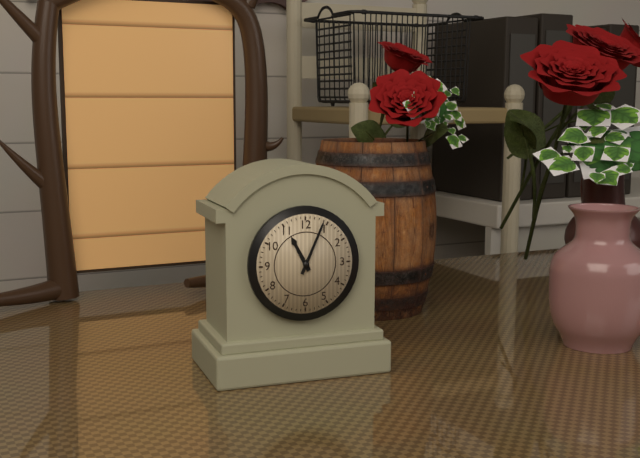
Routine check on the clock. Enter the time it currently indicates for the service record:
11:04
